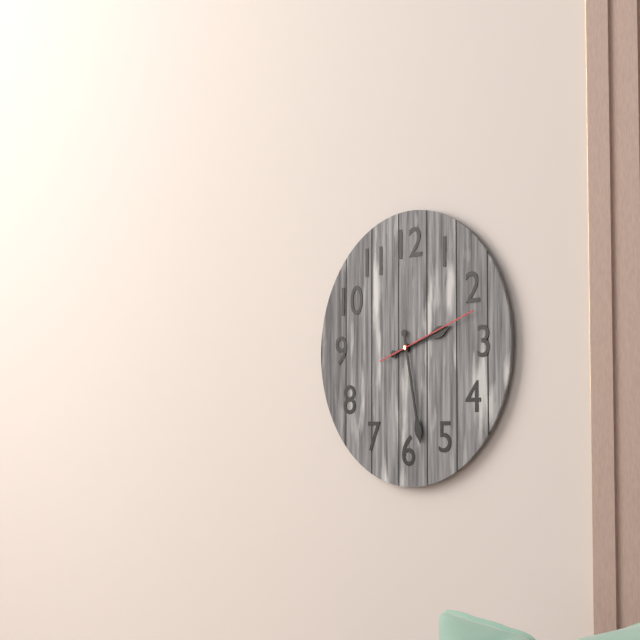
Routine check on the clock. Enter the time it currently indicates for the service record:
2:28:12
